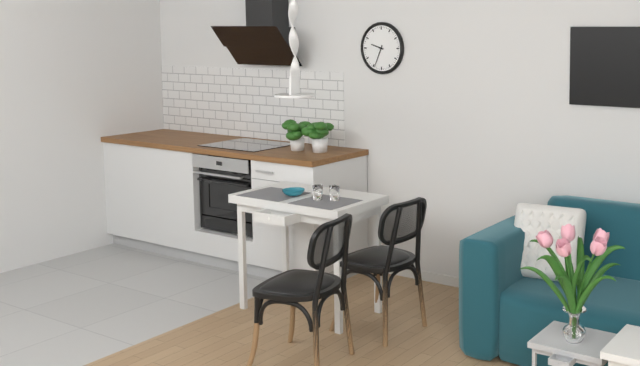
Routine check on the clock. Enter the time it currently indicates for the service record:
9:34
